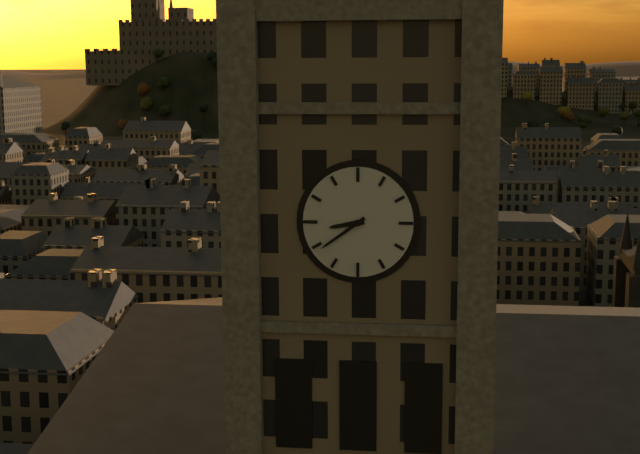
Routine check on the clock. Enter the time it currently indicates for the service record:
8:39
